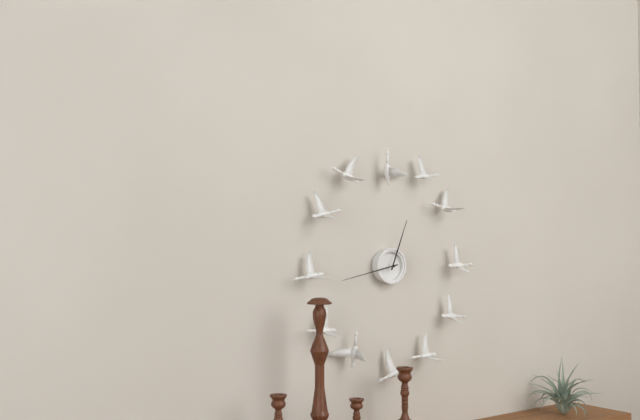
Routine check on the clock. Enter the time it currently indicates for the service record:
12:43
